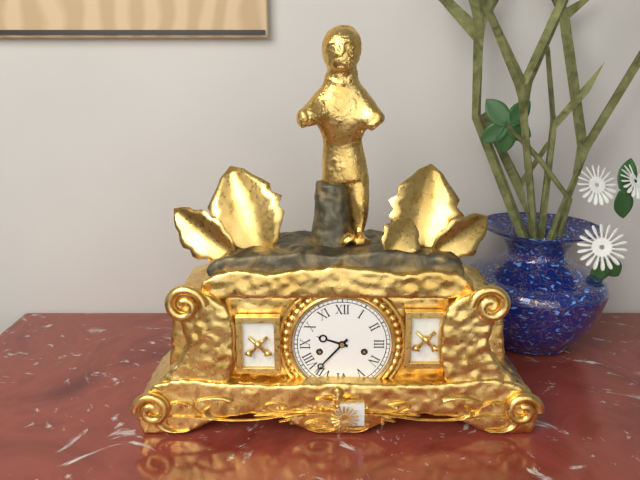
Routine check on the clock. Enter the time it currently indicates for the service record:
9:37
